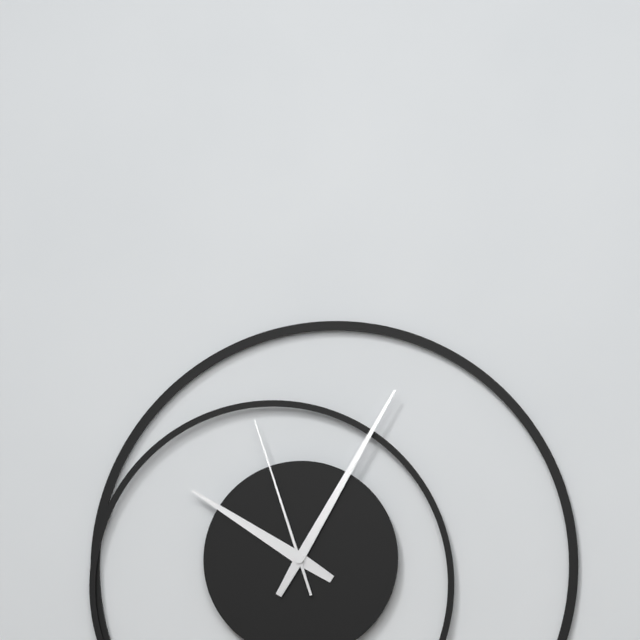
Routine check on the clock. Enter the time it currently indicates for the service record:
10:05:57
